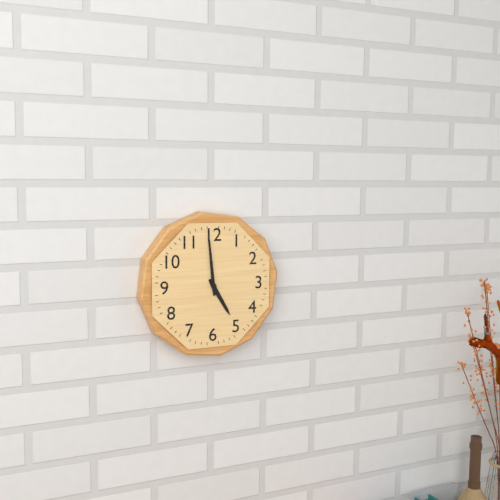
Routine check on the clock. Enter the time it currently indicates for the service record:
4:59
